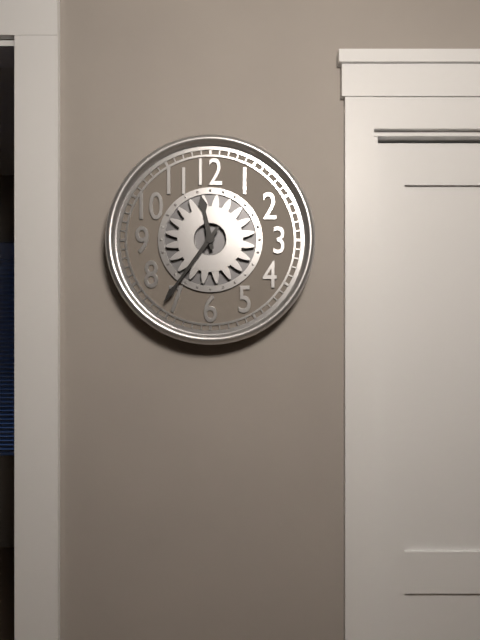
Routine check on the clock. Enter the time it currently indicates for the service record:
11:36
